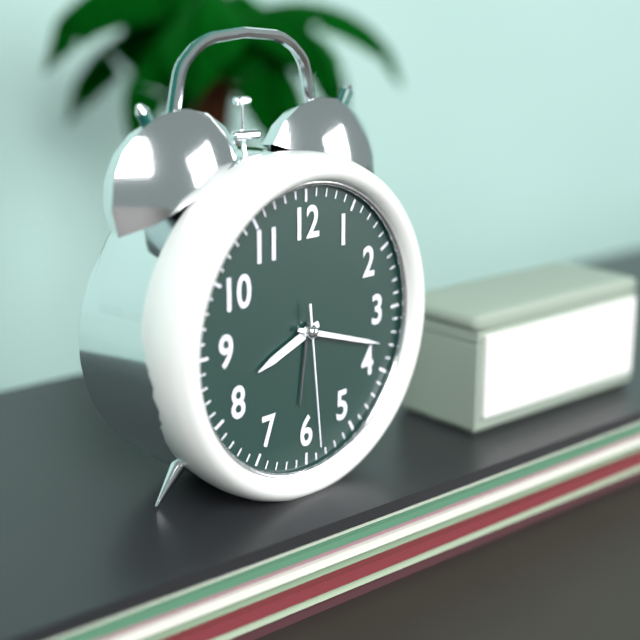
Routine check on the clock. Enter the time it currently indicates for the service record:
8:18:29
